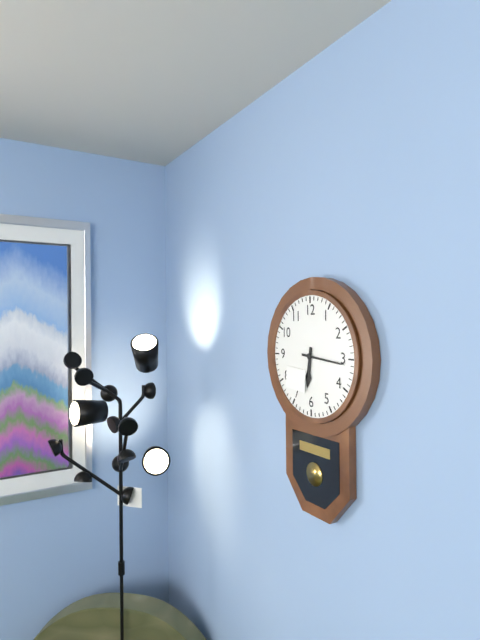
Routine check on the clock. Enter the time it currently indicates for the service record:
6:16
